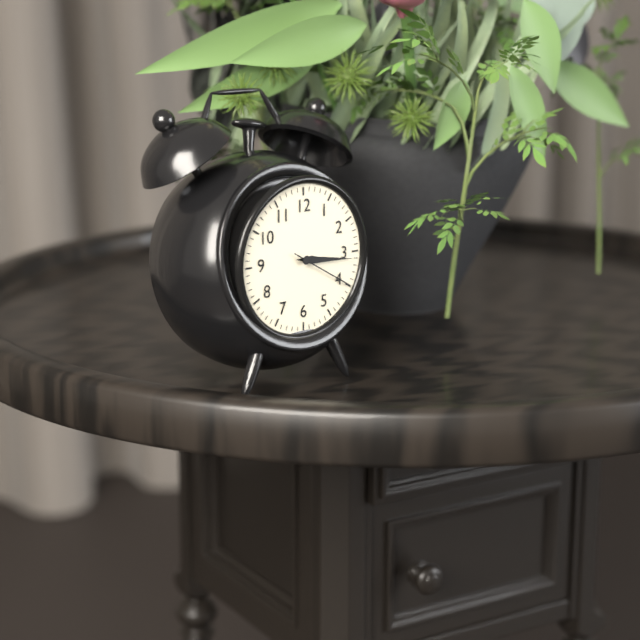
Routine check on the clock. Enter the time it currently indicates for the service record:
3:16:20
